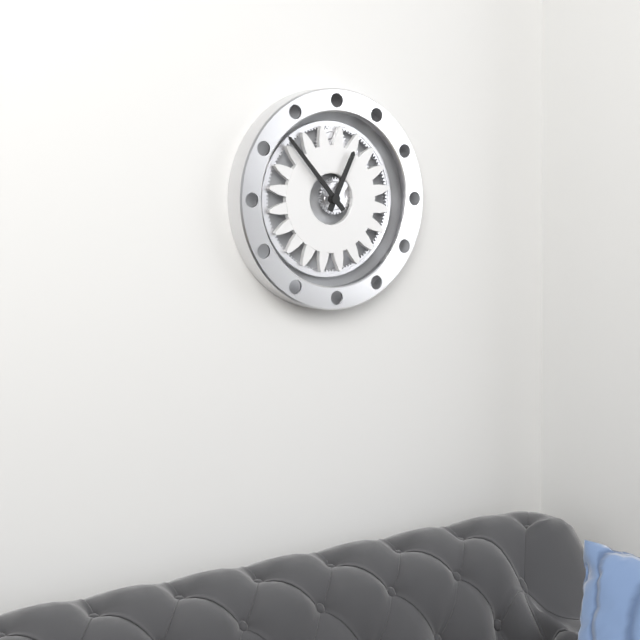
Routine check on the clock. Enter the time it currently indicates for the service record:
12:53
